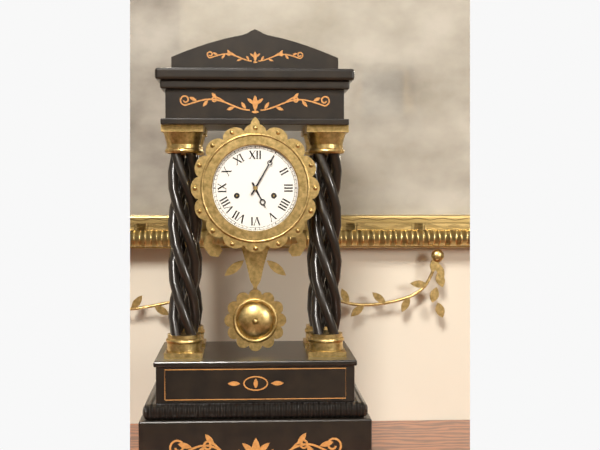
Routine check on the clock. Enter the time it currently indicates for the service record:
5:05
